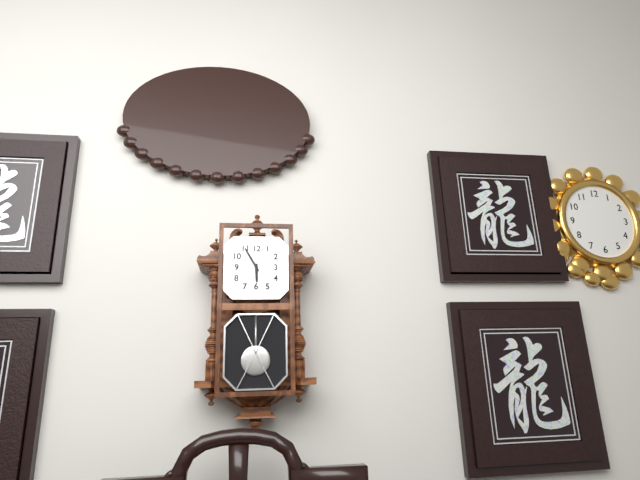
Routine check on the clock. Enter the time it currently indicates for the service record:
5:55
